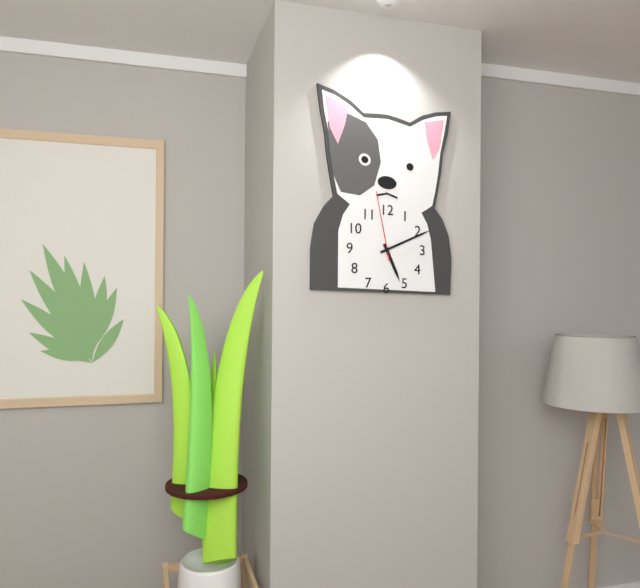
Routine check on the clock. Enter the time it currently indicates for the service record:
5:11:58
